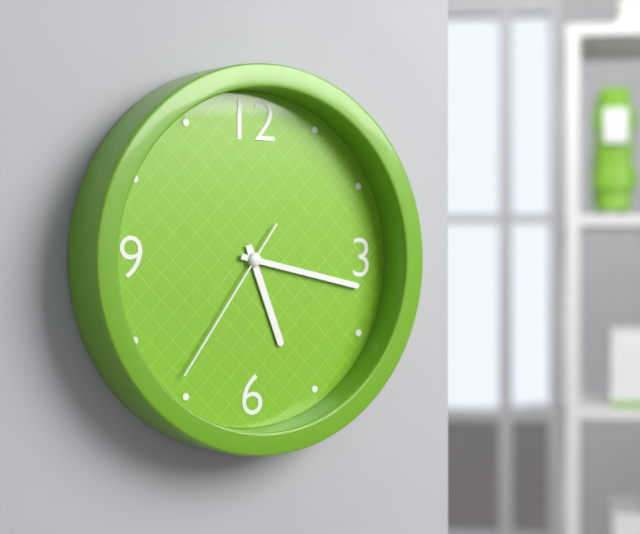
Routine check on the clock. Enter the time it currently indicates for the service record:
5:17:36
